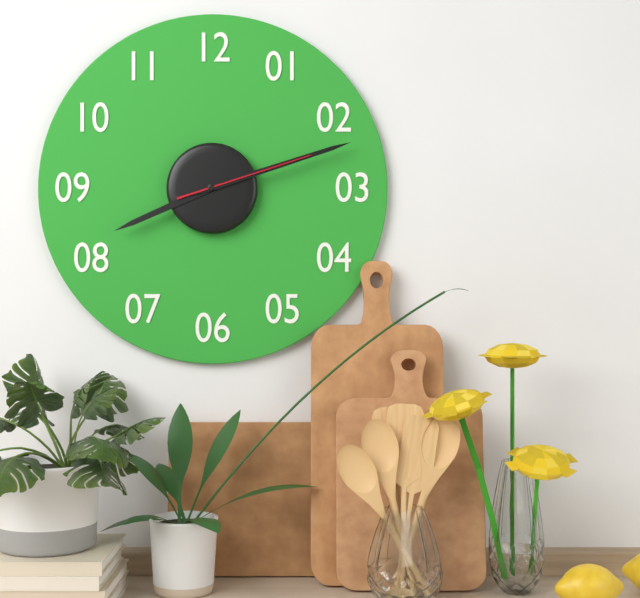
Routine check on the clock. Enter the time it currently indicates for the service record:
8:12:12
